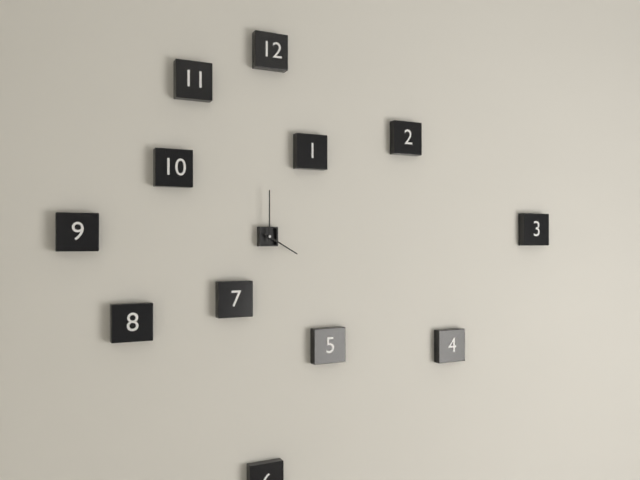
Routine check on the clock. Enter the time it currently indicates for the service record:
4:00
